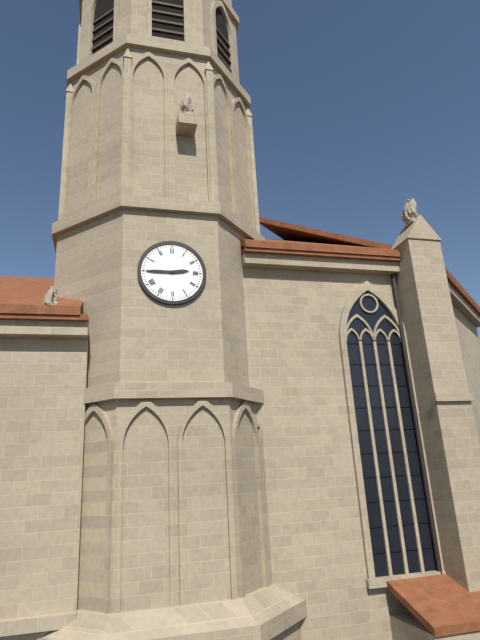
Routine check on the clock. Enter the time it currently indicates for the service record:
2:45
